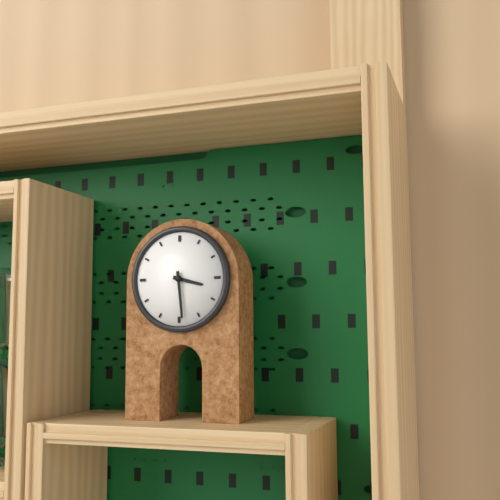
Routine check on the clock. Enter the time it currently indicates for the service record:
3:29
